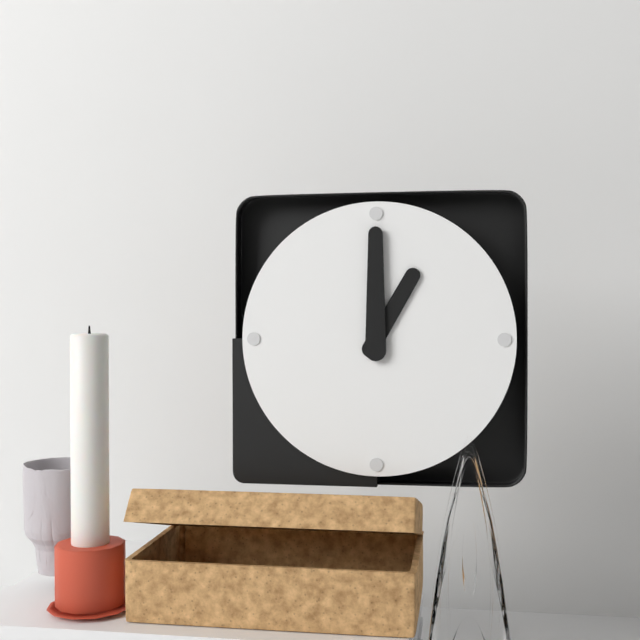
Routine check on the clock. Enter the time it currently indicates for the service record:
1:00
